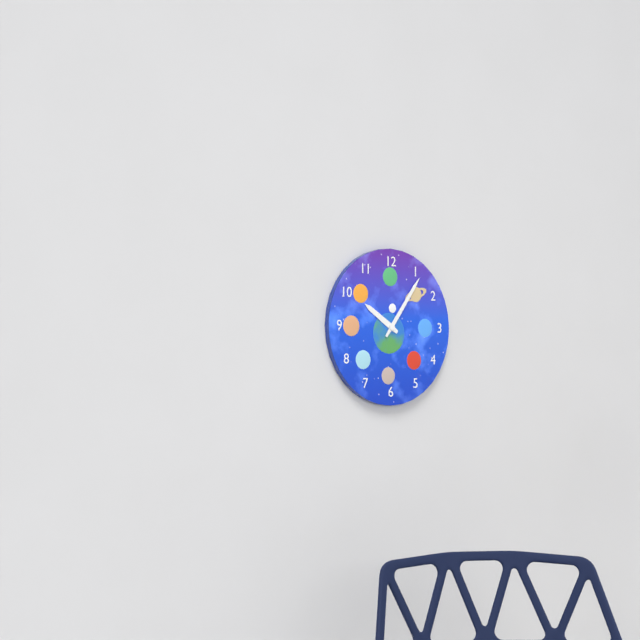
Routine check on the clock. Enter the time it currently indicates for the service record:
10:06
